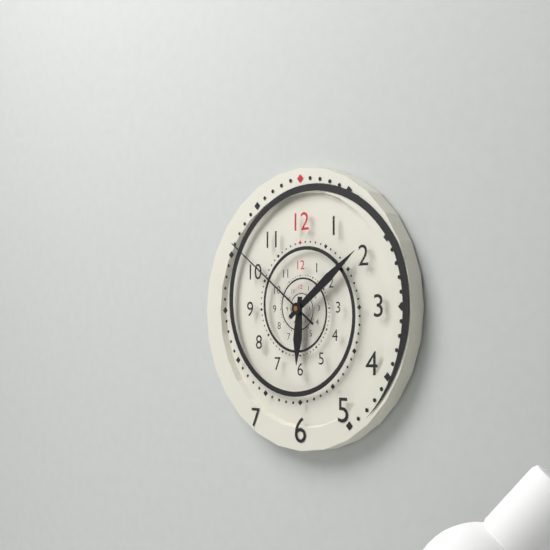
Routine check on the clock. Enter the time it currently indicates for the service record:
6:09:51
